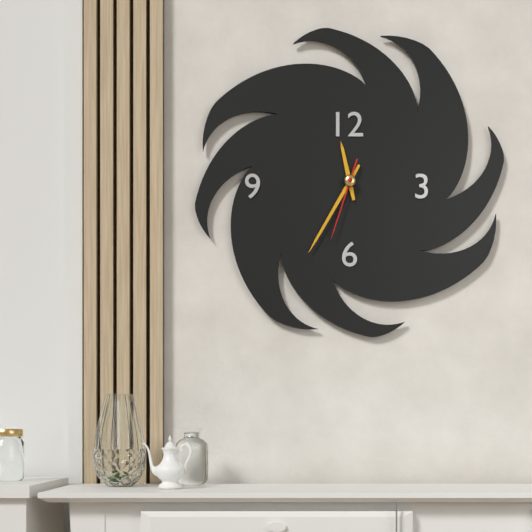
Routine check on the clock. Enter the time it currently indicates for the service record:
11:35:33
